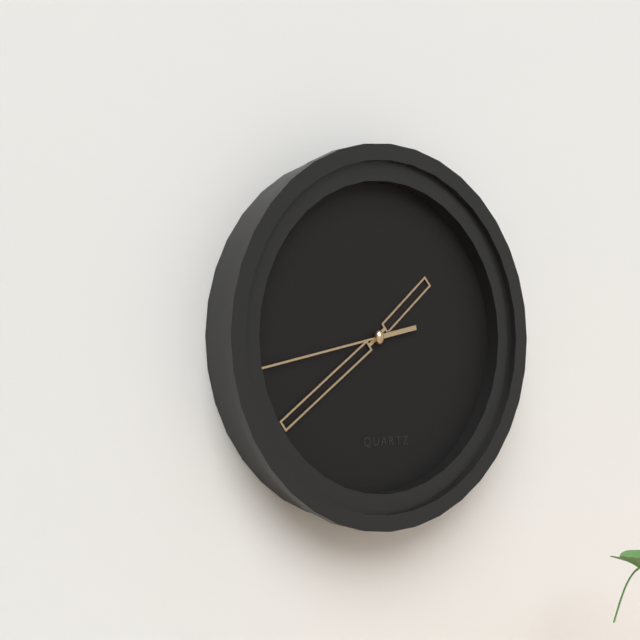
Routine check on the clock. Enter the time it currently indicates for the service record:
1:39:43
